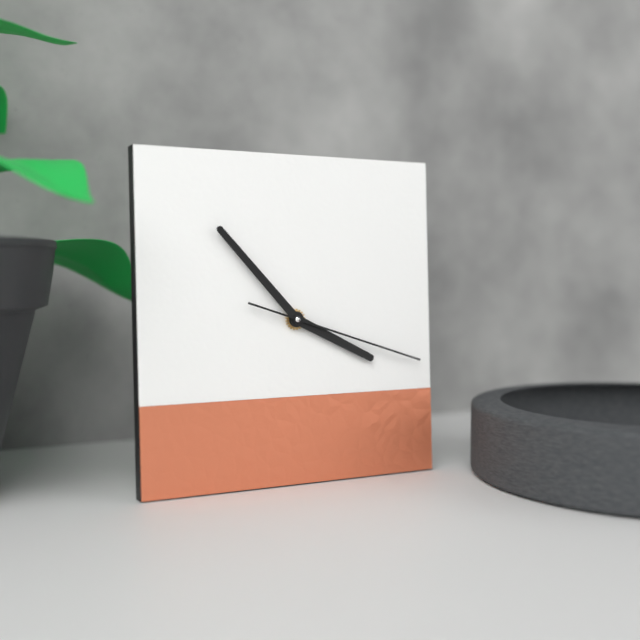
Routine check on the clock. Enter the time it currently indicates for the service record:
3:53:18
